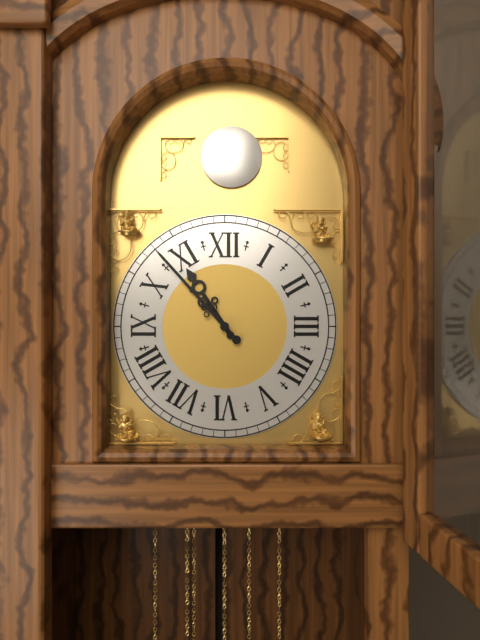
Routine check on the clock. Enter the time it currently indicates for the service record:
10:53
